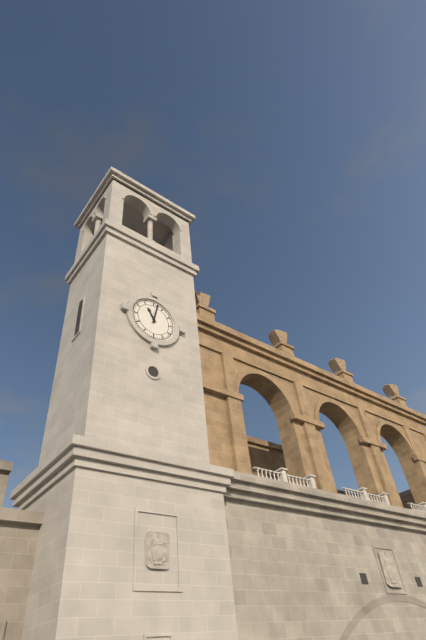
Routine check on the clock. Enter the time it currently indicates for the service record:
11:02
